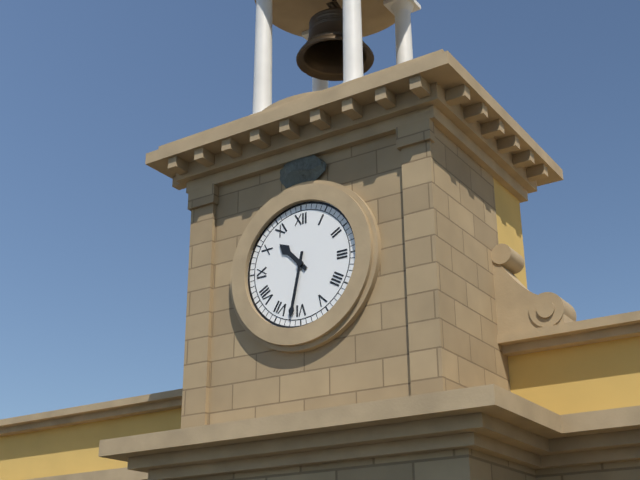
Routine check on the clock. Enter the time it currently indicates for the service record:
10:32
